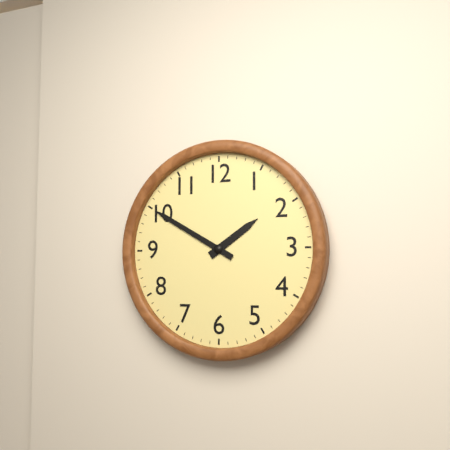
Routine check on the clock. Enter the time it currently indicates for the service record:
1:50
